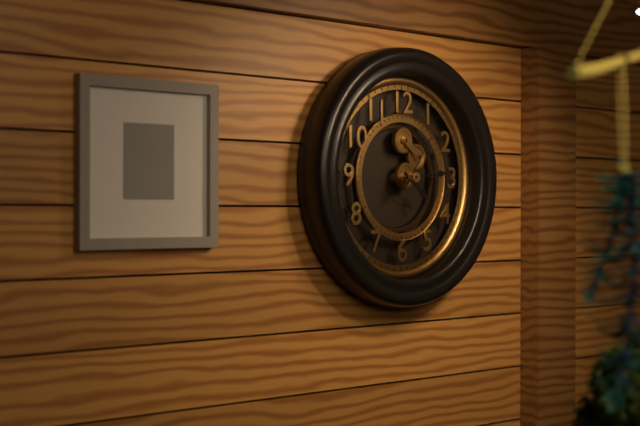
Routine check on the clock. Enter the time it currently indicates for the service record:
4:14:06
